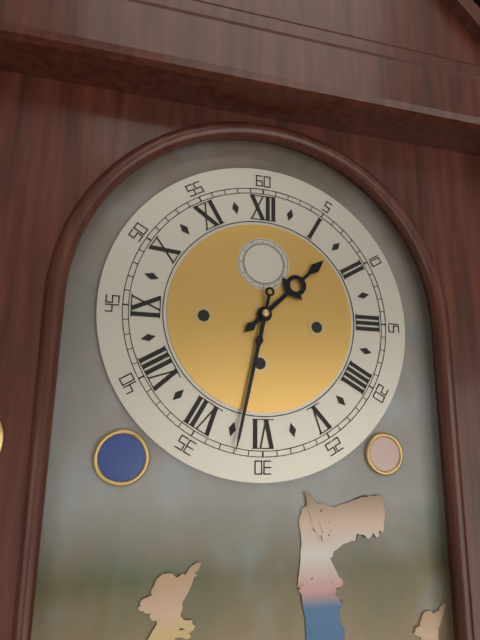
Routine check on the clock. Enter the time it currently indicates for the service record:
1:32
